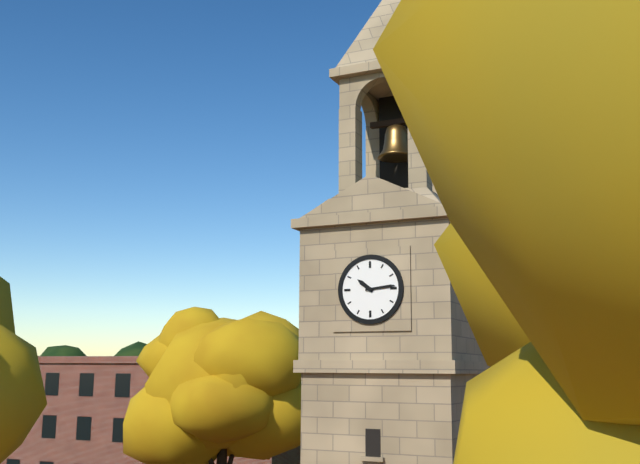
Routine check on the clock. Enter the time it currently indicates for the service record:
10:14
